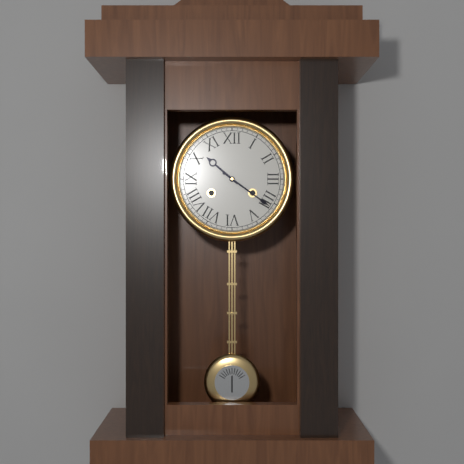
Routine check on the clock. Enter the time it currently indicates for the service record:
10:21
